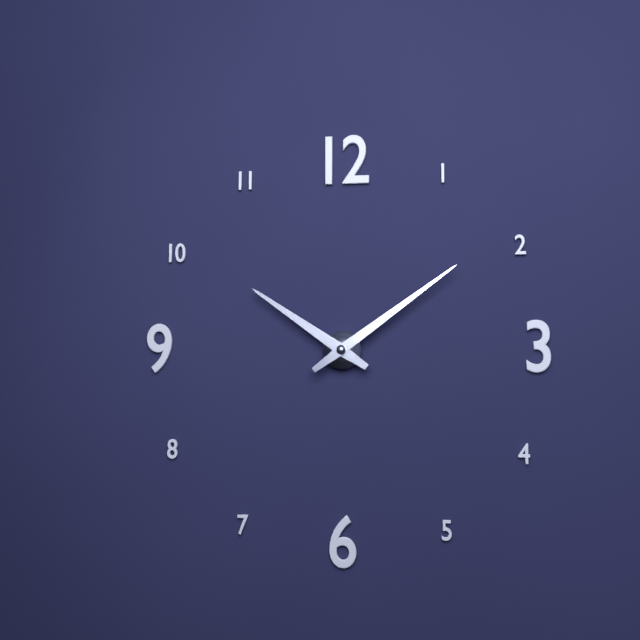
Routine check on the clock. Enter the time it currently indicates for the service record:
10:09
